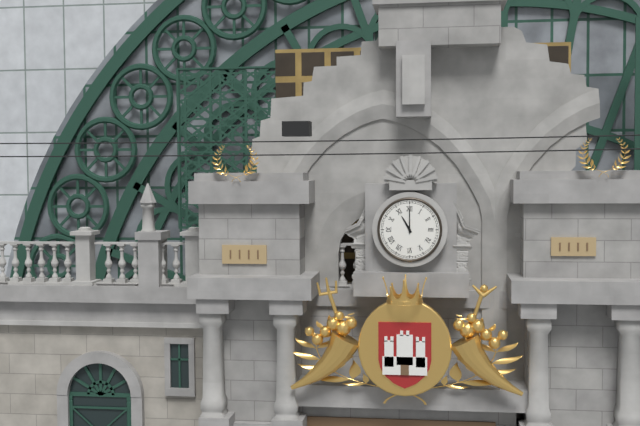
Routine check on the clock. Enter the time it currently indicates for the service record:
11:00
